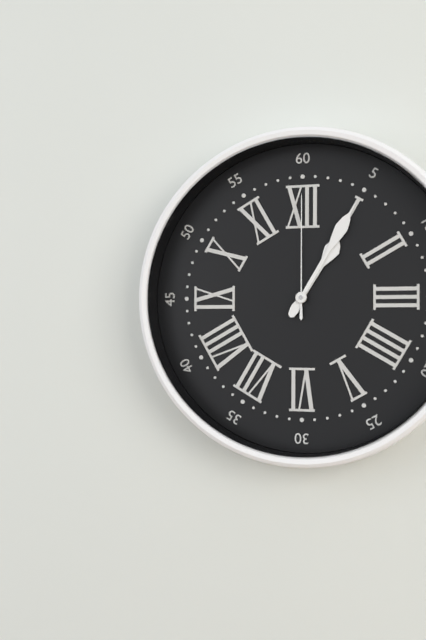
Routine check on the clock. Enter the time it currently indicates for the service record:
1:05:00
